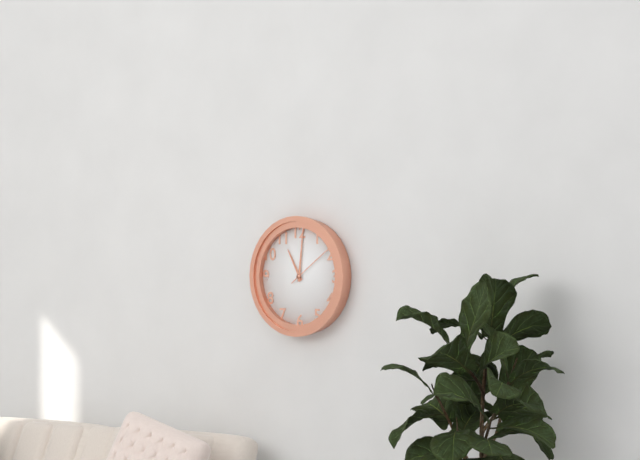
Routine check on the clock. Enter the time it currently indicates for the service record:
11:01
